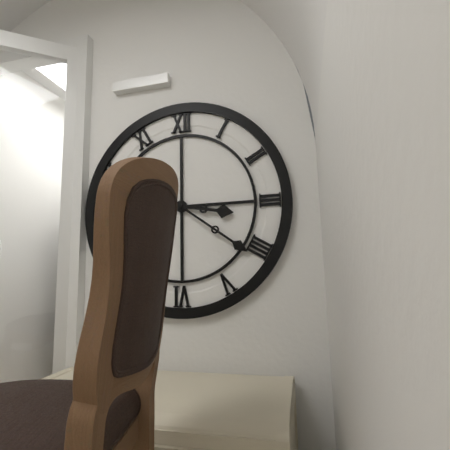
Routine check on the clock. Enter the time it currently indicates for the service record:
3:21
